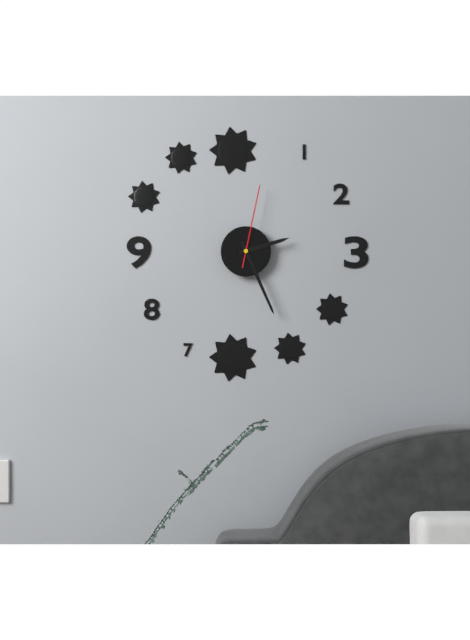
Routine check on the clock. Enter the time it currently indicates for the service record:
2:26:02
